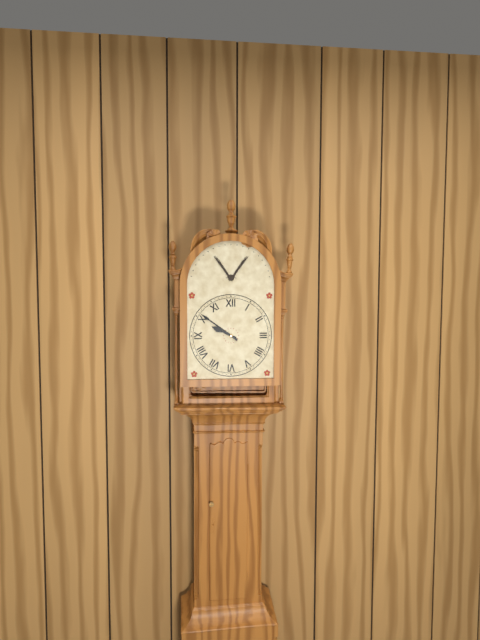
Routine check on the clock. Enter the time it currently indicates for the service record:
9:51
